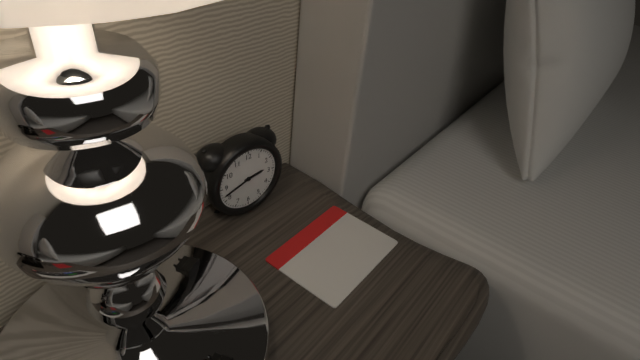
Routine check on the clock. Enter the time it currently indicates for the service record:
2:42
